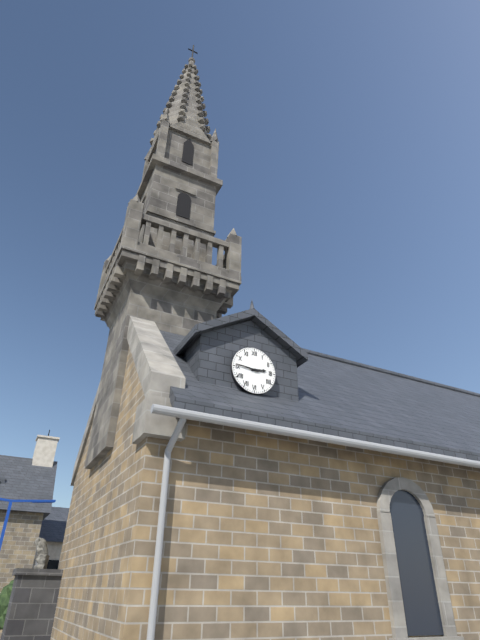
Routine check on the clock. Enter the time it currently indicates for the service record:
2:46
